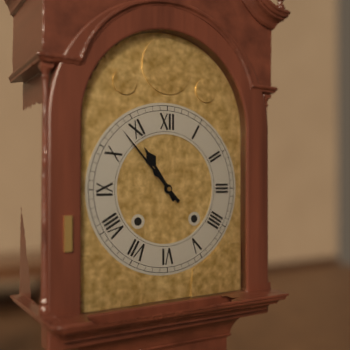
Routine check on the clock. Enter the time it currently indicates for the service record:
10:53
